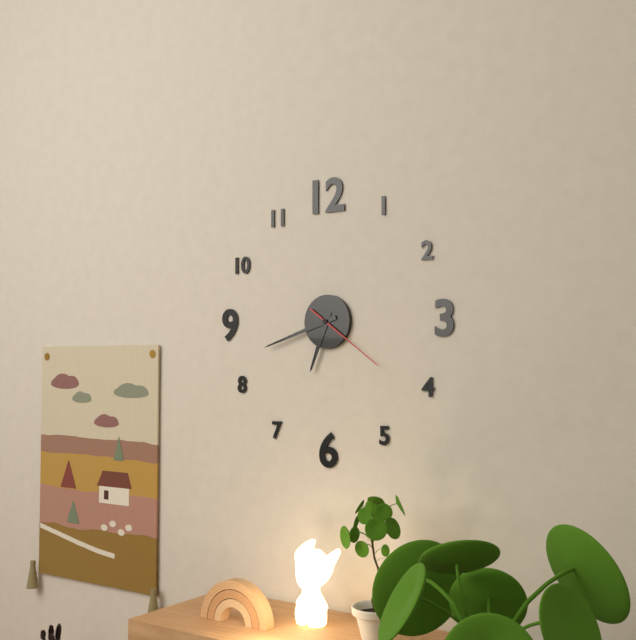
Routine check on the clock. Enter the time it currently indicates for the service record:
6:42:21
